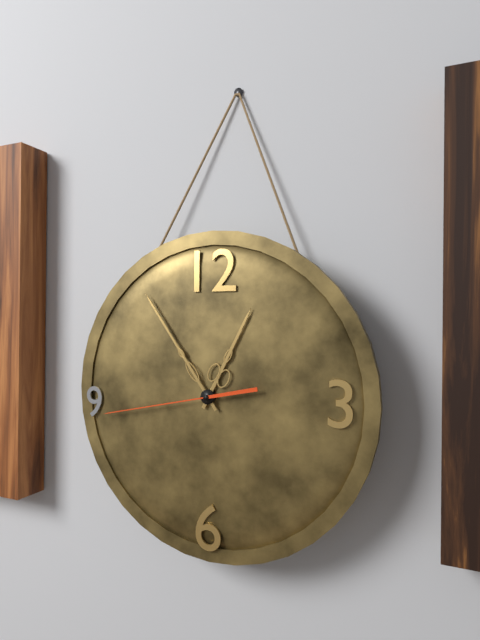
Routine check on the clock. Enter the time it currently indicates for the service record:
12:54:43
